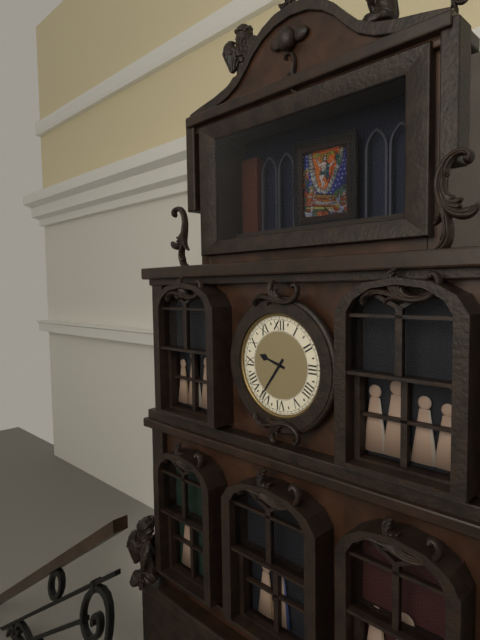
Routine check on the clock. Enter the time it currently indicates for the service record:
9:36
